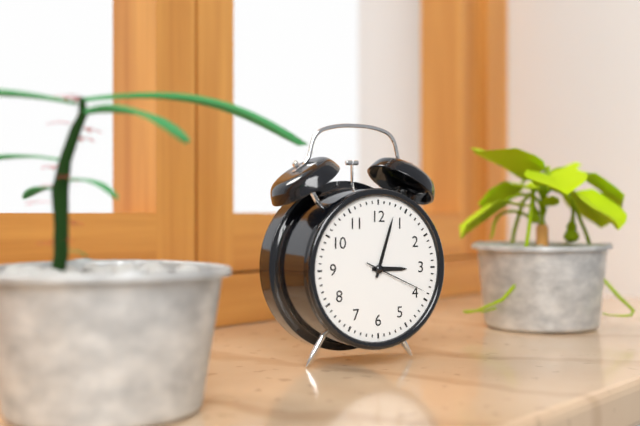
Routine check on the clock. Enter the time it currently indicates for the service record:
3:03:19
